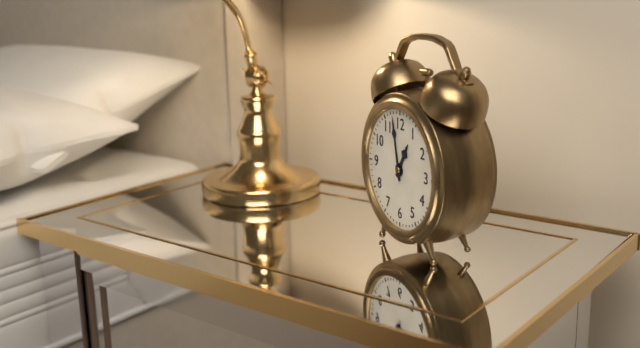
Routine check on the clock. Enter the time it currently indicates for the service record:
12:58
